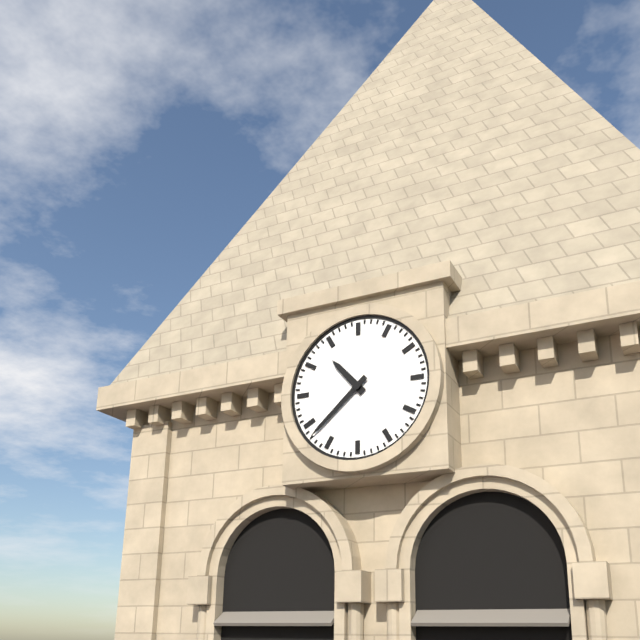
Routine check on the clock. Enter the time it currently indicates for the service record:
10:38
